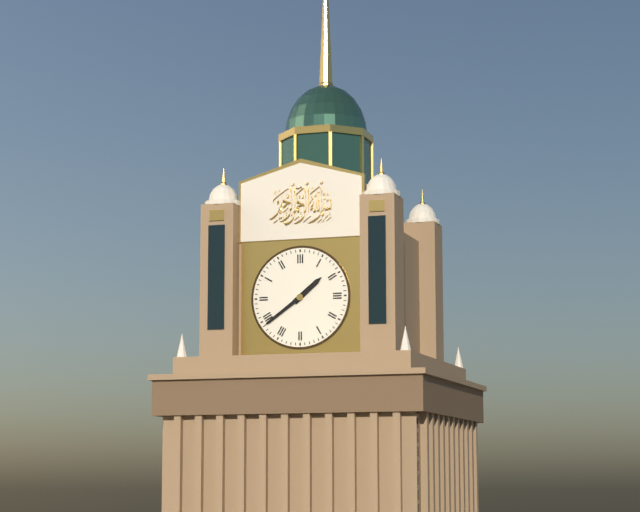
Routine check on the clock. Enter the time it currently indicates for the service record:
1:39
